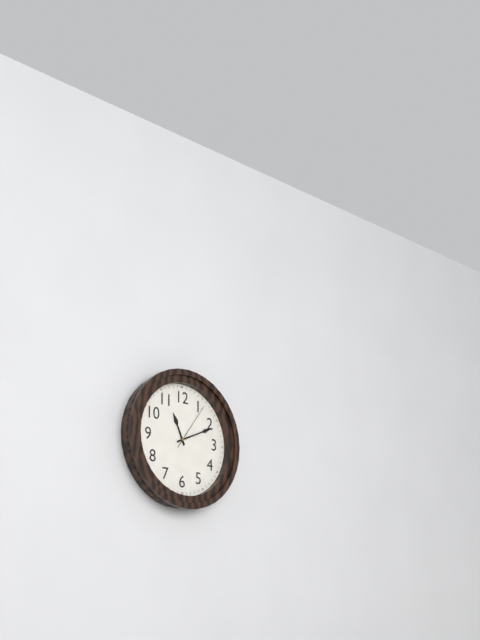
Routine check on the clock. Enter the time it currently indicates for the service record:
11:11
